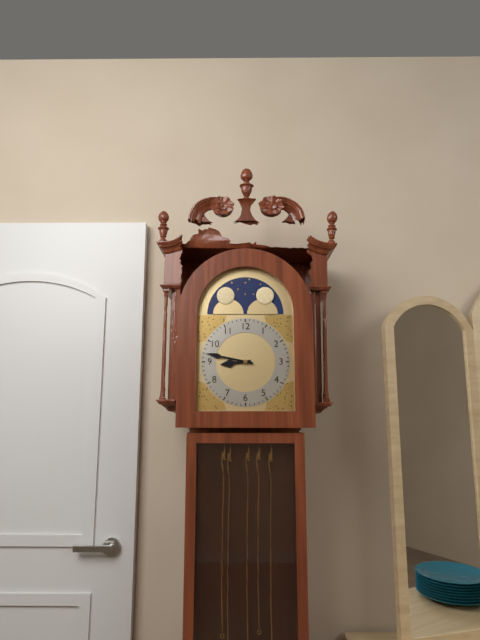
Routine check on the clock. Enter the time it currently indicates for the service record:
8:47
